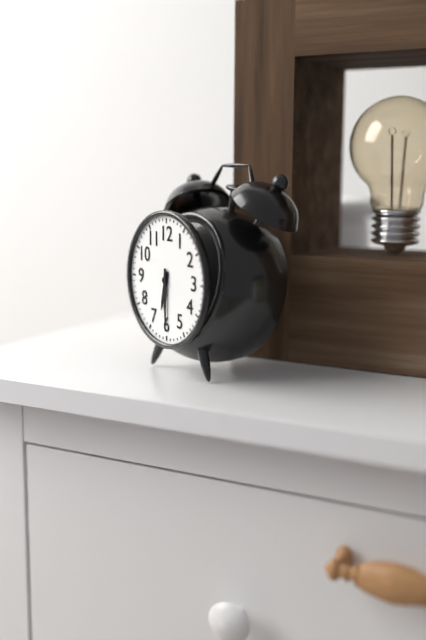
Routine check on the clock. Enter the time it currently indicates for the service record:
6:30
